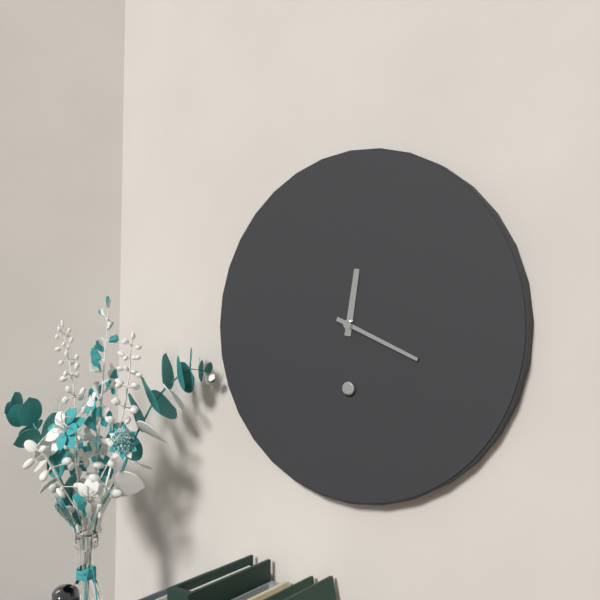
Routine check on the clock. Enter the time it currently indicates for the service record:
12:19
